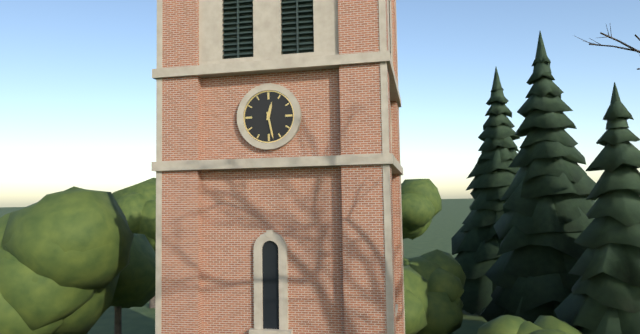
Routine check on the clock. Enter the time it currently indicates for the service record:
12:28
